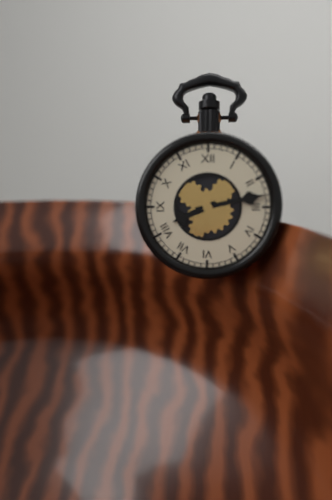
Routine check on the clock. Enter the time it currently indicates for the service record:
8:13
